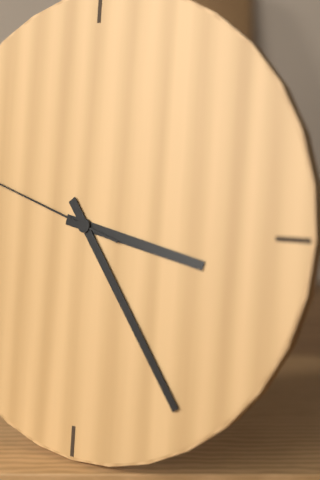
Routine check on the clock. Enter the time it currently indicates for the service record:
3:24
